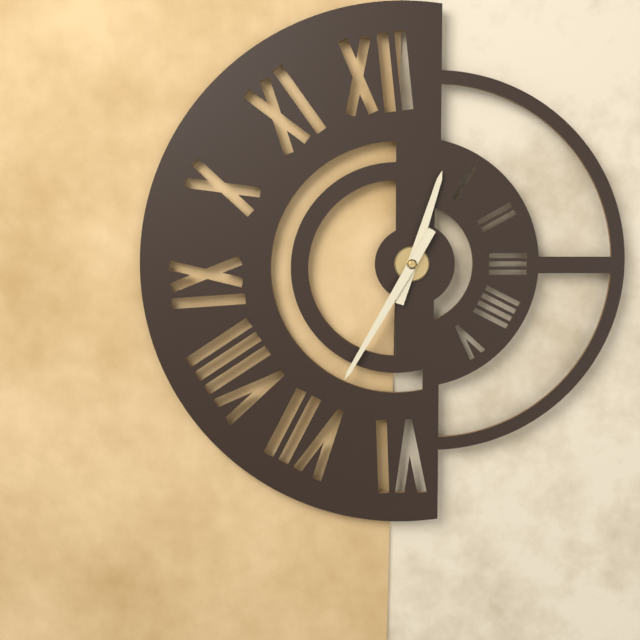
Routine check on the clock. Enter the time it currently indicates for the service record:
12:35
